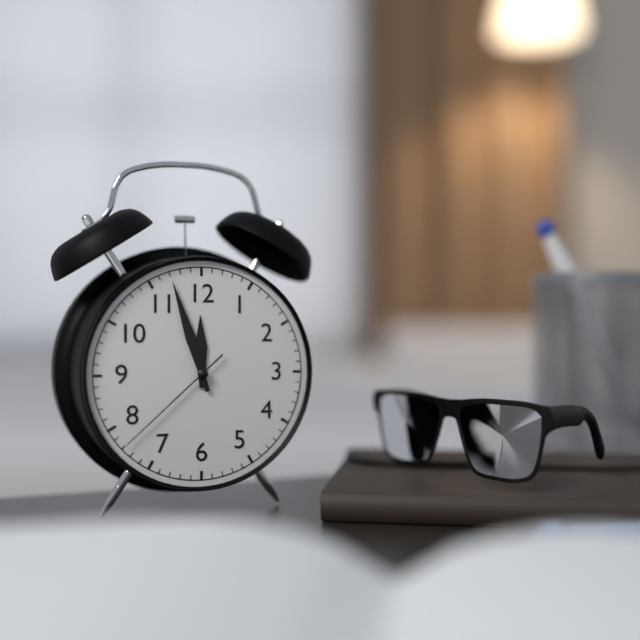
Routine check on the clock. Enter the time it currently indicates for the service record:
11:57:38
